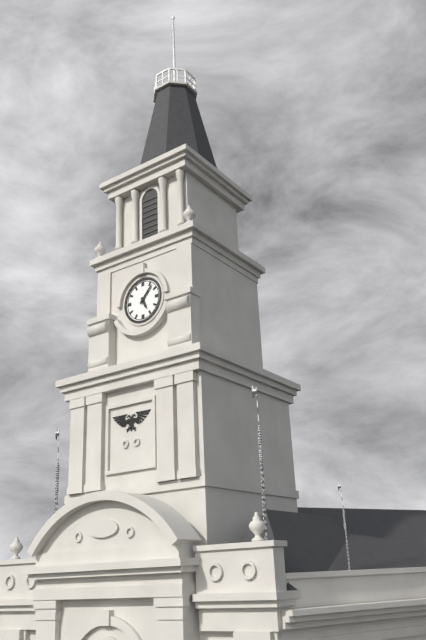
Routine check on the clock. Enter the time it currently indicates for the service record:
5:07
